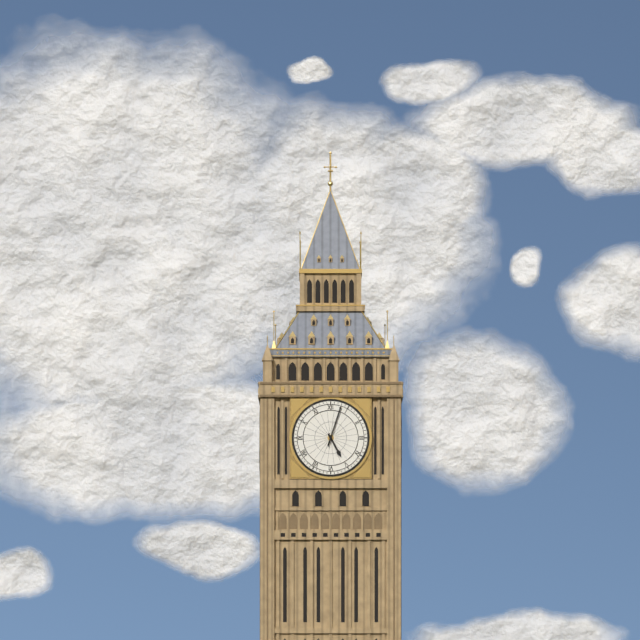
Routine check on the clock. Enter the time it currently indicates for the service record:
5:03
